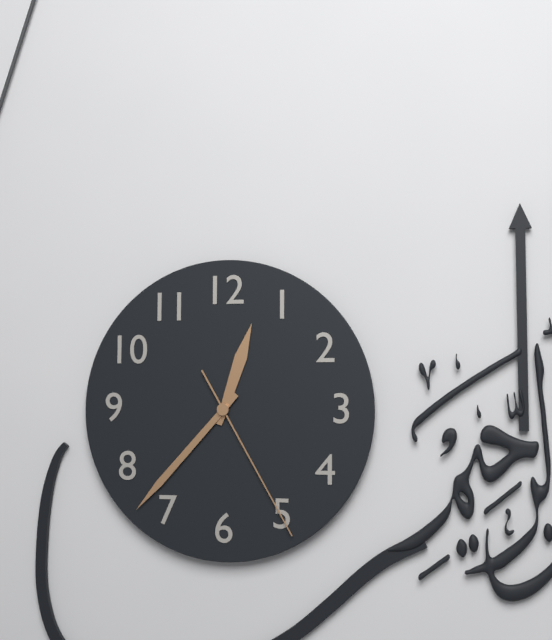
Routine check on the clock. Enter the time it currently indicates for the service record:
12:37:25
